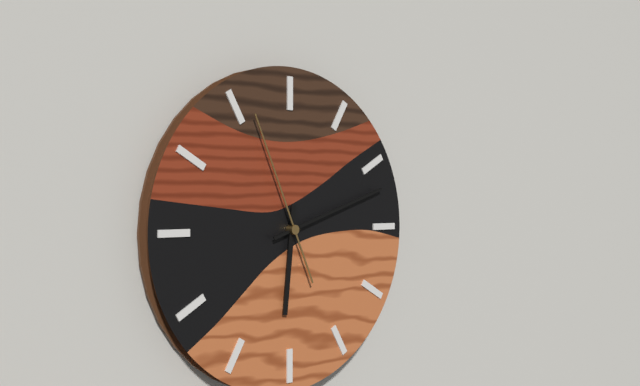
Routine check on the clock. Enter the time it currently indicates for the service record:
6:12:56
